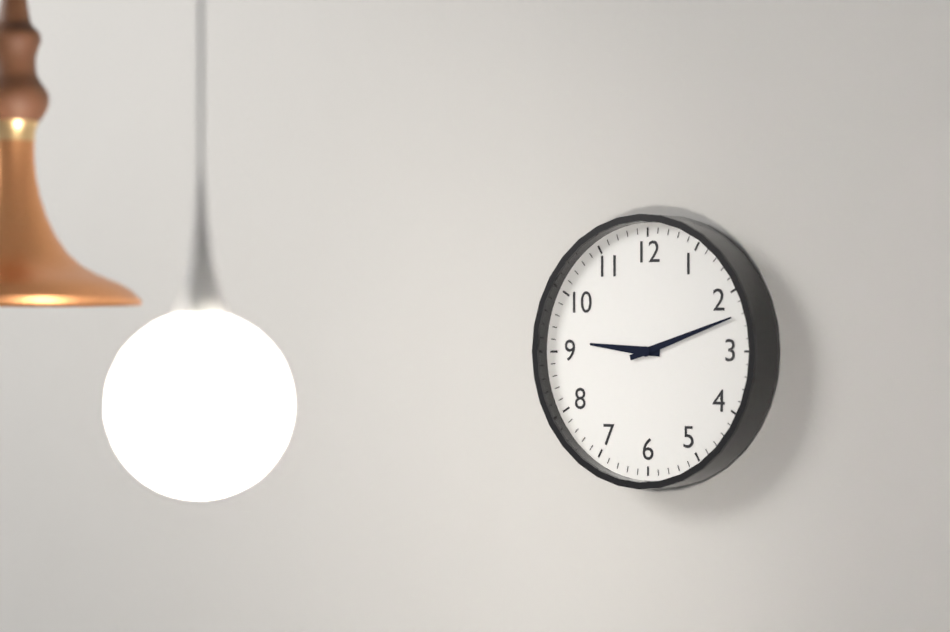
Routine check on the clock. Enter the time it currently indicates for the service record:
9:12
